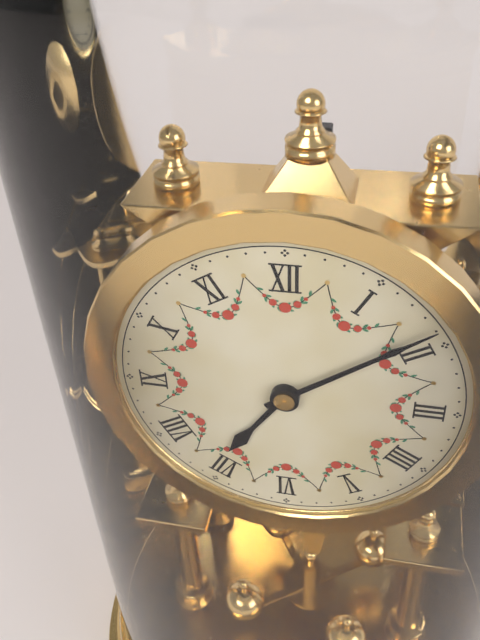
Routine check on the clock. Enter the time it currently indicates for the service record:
7:09
